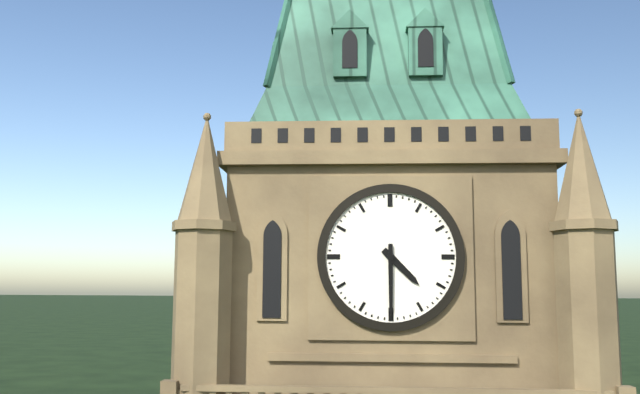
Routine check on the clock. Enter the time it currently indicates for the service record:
4:30
